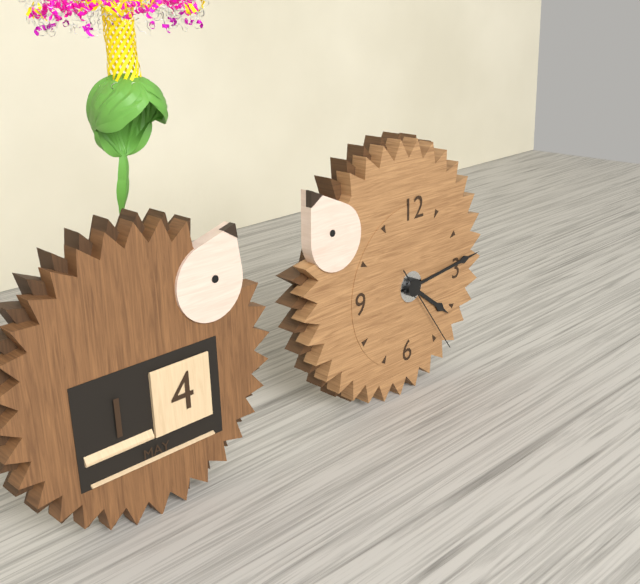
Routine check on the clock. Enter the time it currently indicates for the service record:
4:14:24
